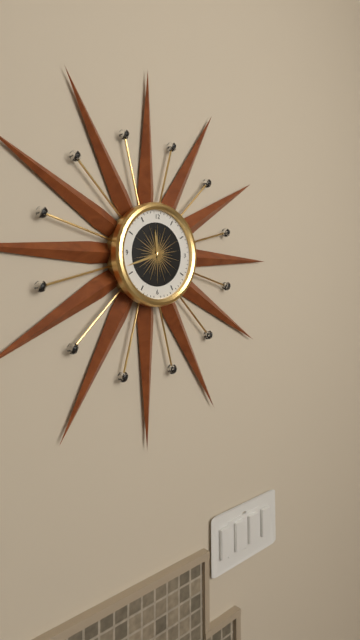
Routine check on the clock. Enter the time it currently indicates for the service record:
11:42
